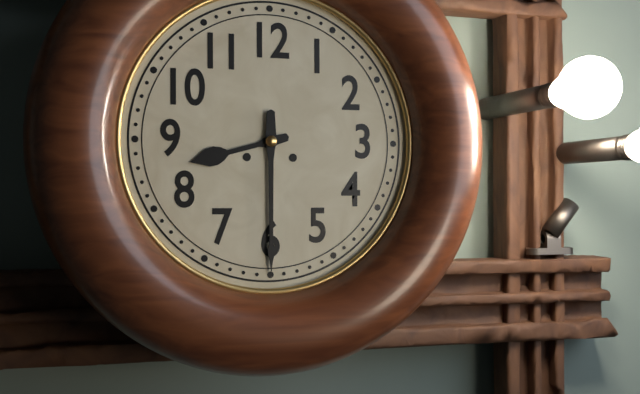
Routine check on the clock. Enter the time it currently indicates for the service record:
8:30
